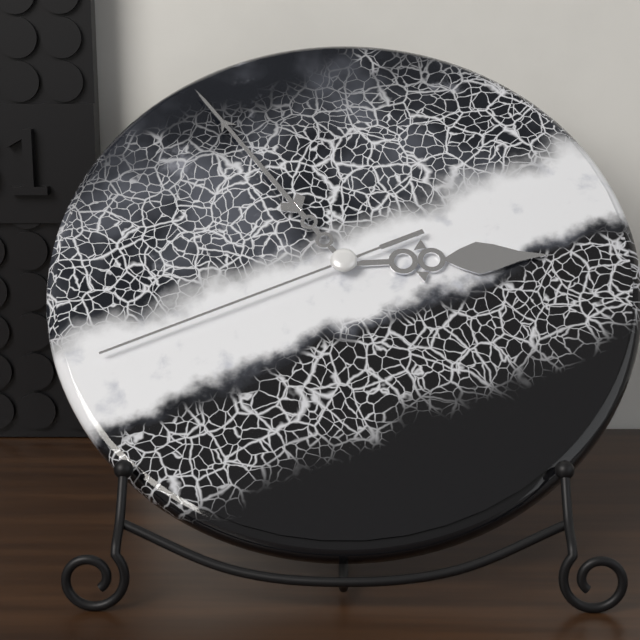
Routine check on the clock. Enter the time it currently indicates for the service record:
2:54:41
